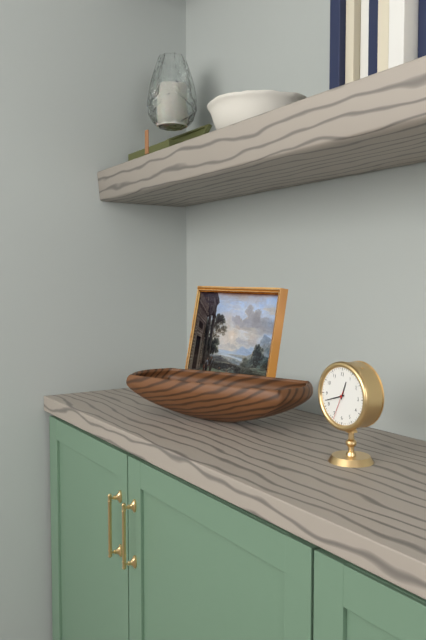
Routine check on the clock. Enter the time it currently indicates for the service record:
12:42
